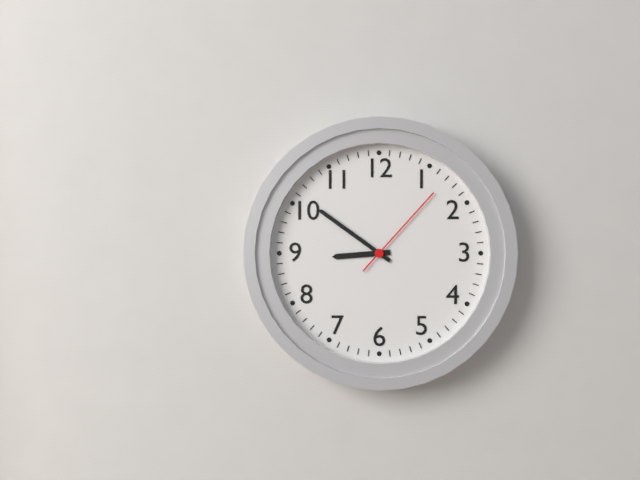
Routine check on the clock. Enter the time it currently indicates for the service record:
8:51:07
